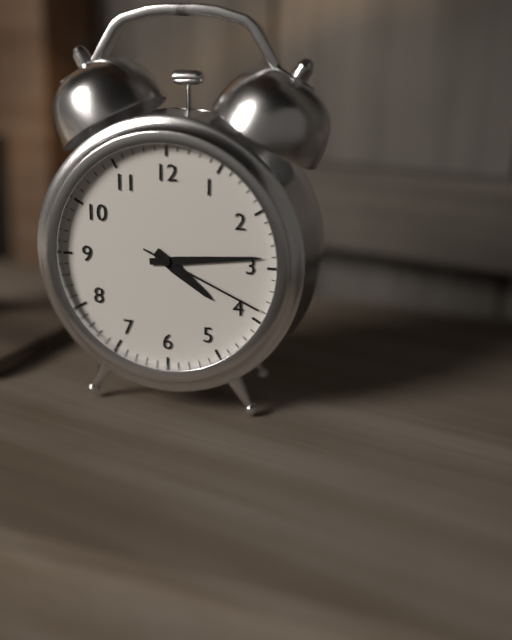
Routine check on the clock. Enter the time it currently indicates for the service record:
4:14:19
